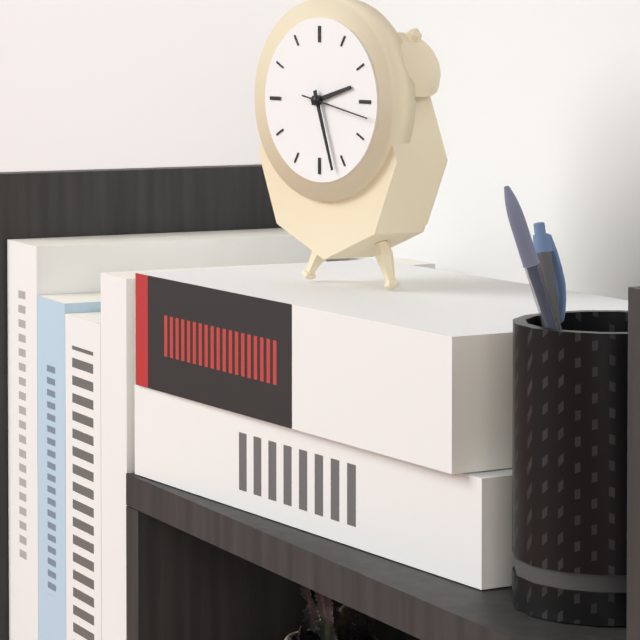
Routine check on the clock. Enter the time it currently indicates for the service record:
2:27:17
